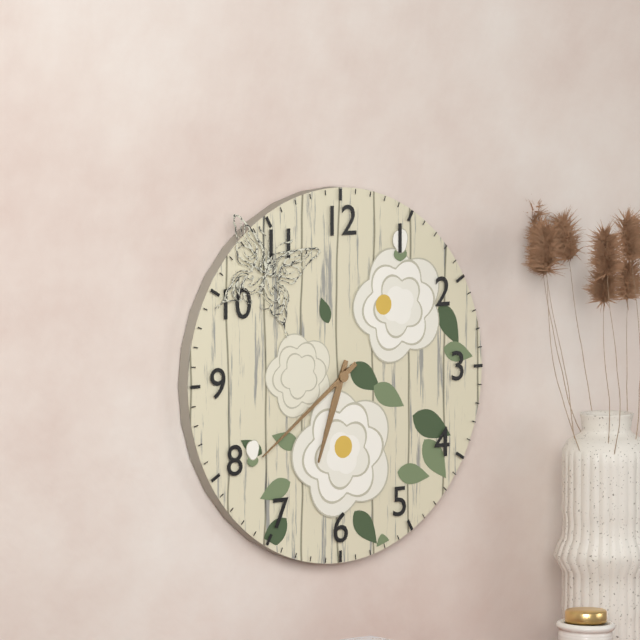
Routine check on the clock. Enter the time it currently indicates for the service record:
6:39
